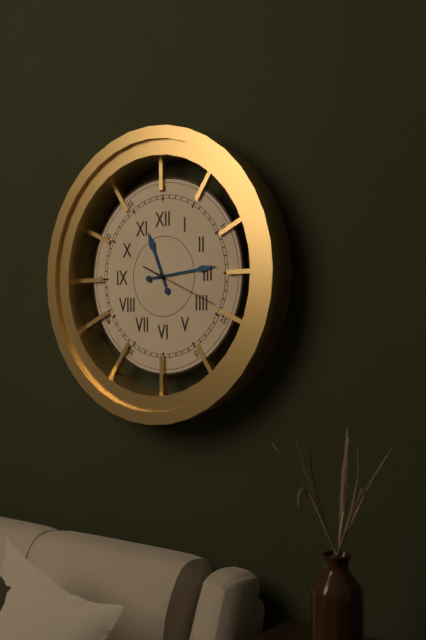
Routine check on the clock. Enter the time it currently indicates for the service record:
11:14:19
